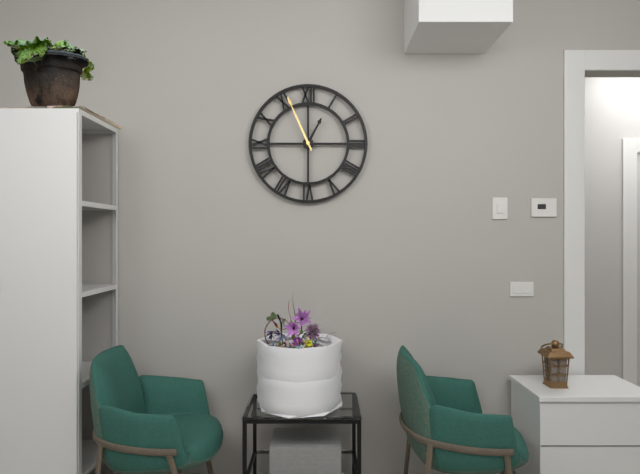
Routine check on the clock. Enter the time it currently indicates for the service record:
12:56
